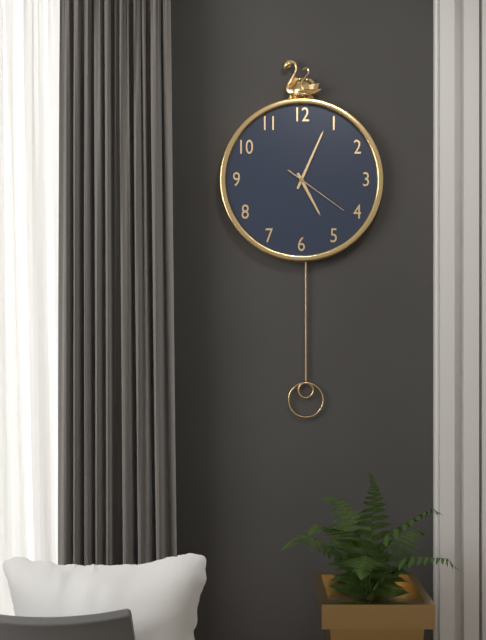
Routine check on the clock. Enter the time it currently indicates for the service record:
5:04:21
